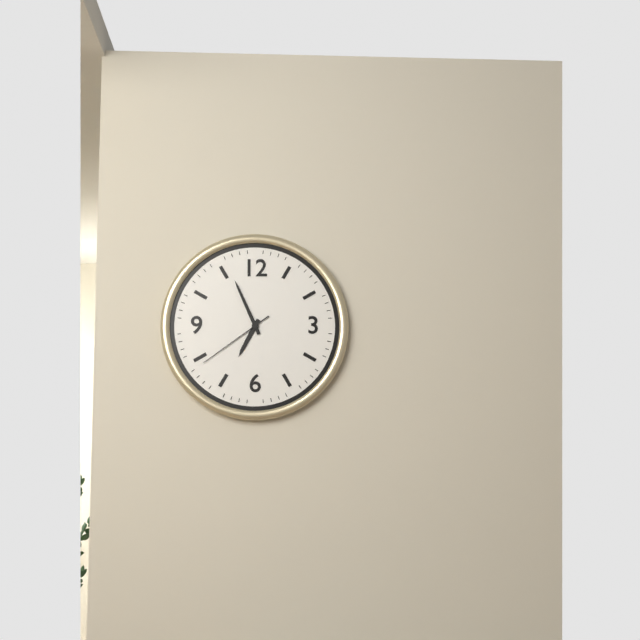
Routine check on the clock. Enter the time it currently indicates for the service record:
6:56:39
